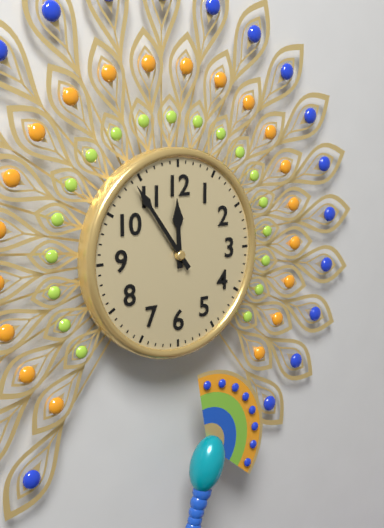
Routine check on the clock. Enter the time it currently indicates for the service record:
11:54
